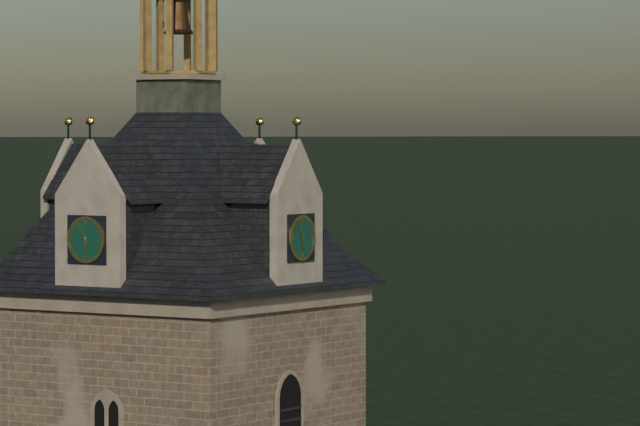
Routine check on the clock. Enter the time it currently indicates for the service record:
5:55
